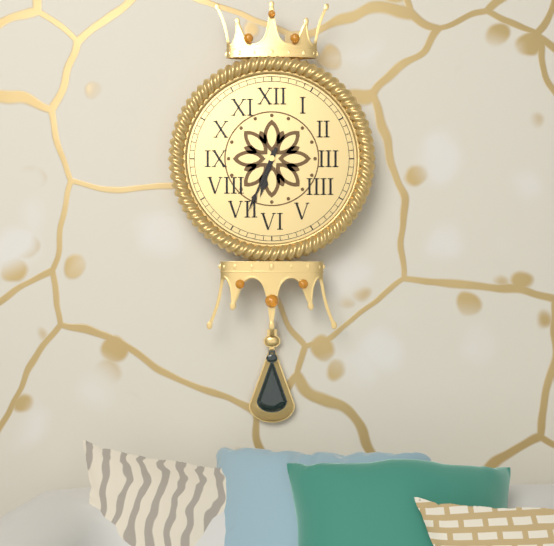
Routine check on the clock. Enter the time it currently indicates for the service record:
6:34
